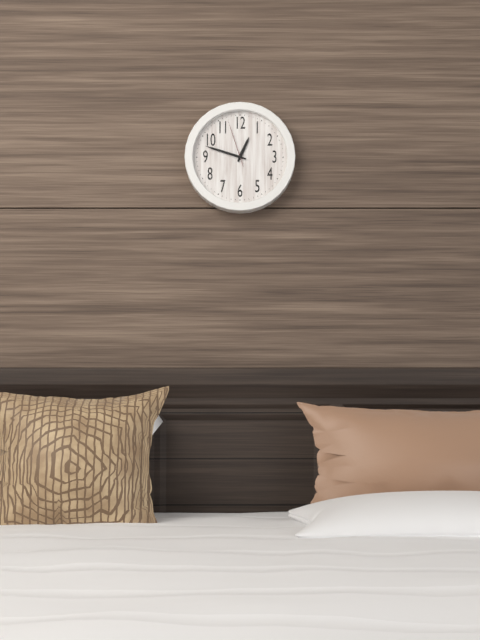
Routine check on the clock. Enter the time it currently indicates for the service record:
12:48
